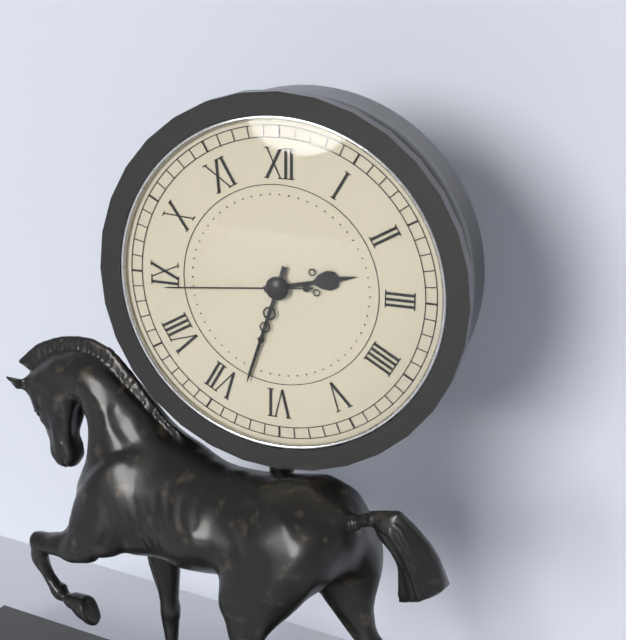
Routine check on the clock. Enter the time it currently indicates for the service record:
2:33:44
